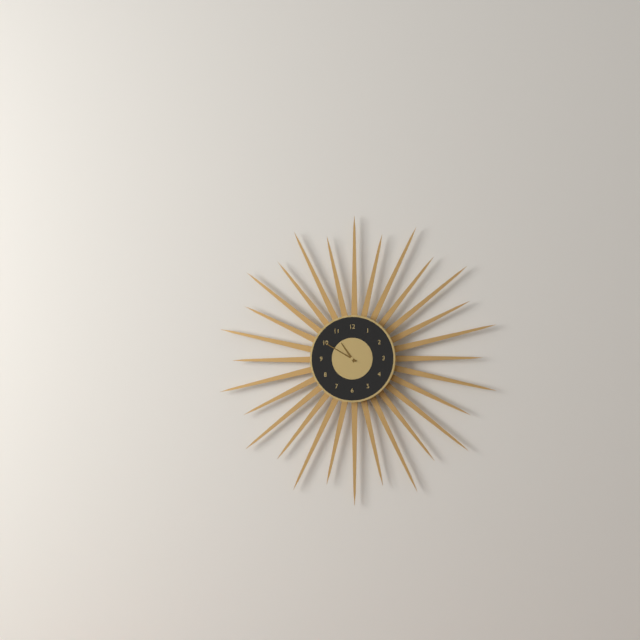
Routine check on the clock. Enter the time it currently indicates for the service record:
10:50
